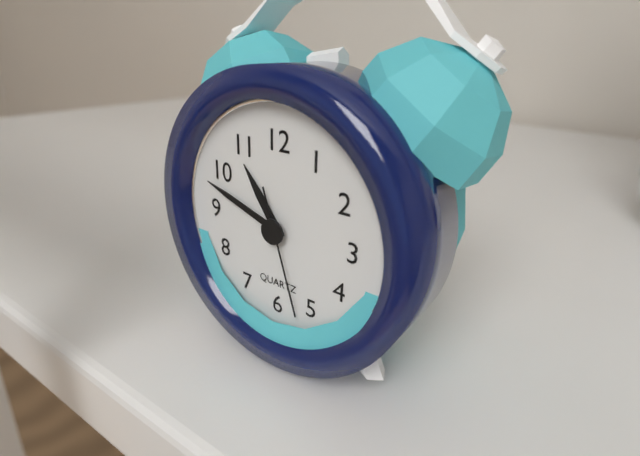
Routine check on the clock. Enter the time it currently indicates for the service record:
10:48:27
